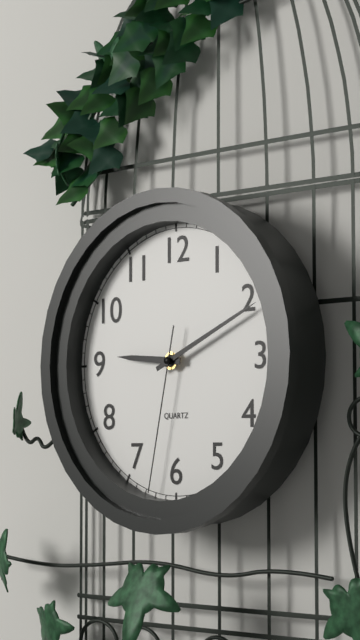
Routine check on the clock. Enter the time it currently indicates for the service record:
9:11:32
